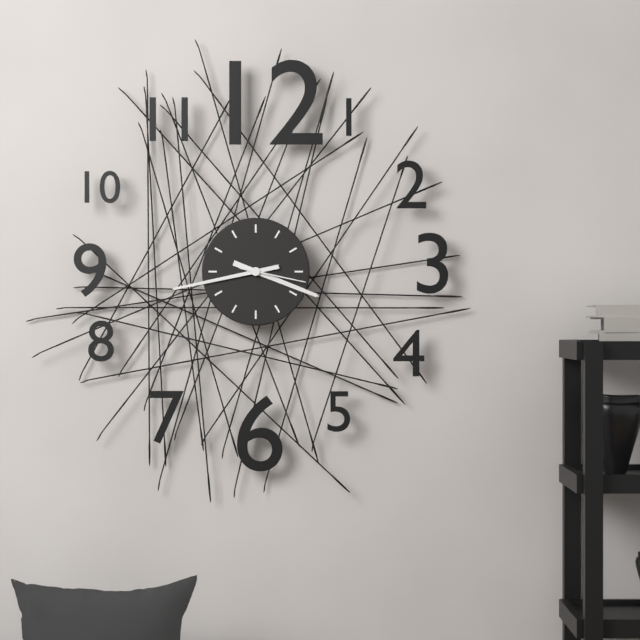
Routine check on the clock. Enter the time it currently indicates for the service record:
3:43:17
